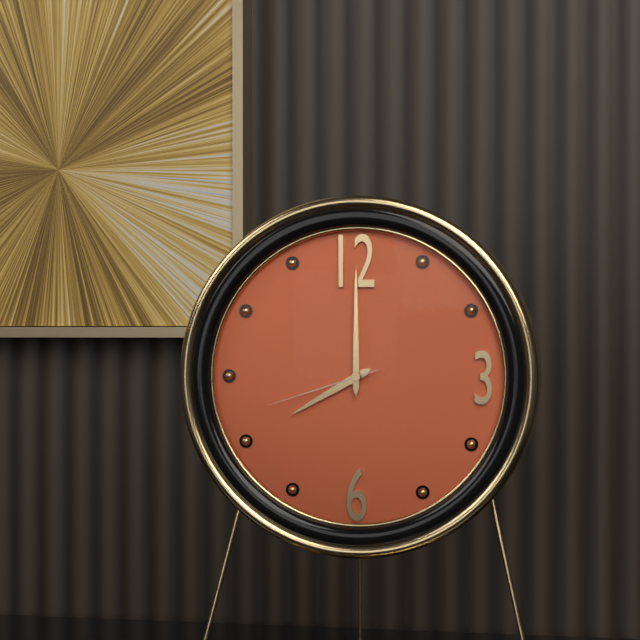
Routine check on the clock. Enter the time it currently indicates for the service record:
8:00:42
